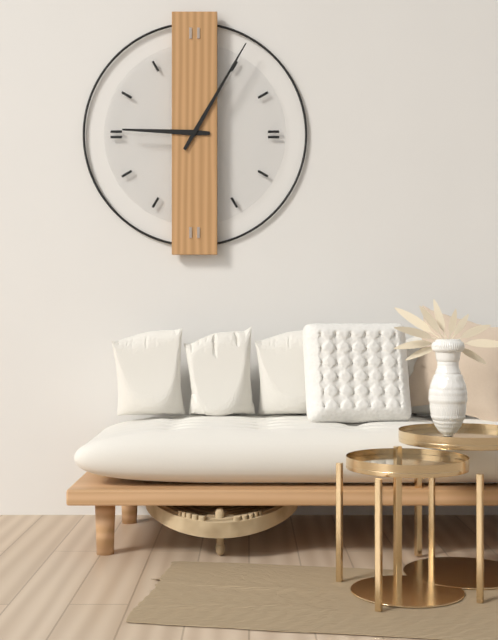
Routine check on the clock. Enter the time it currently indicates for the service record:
9:05
